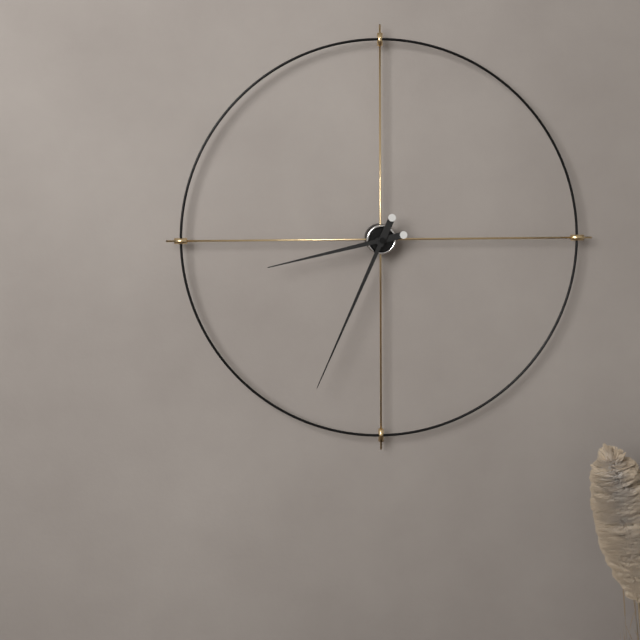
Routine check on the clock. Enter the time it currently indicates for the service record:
8:34
